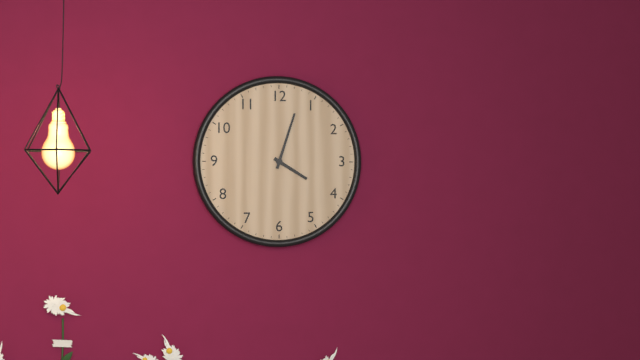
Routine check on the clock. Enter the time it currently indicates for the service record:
4:03
